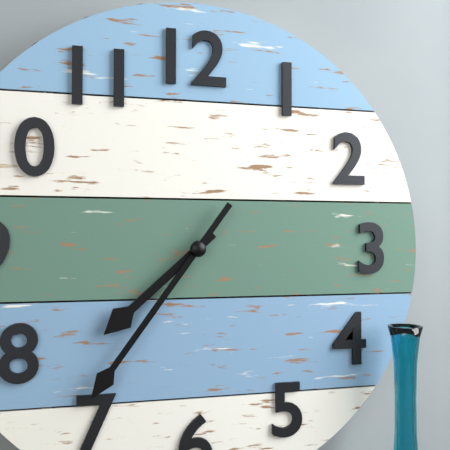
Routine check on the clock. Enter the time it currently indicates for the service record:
7:36
